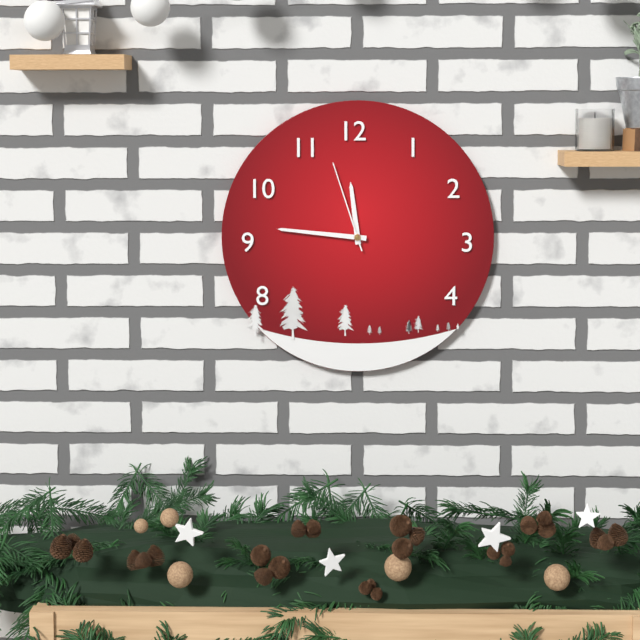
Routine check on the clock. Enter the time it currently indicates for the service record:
11:46:57
